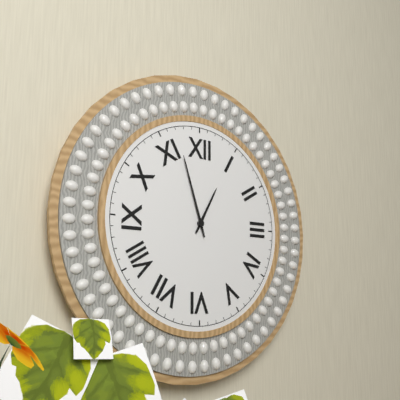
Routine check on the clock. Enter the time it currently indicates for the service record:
12:57
